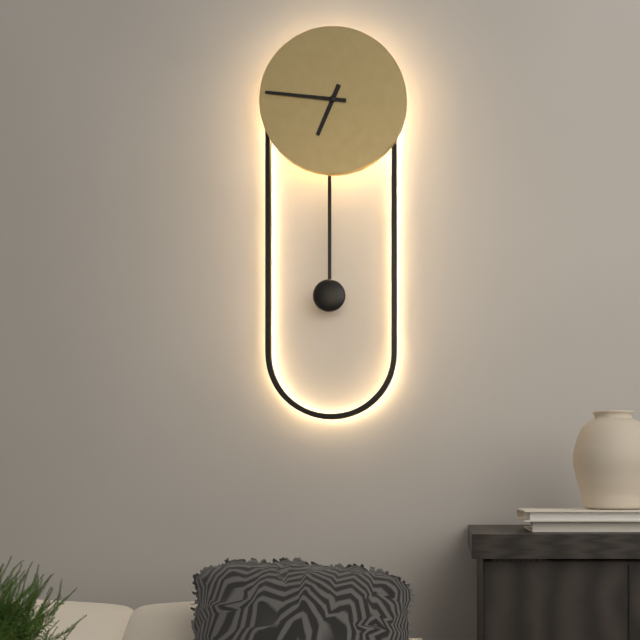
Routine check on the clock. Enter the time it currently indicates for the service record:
6:46
